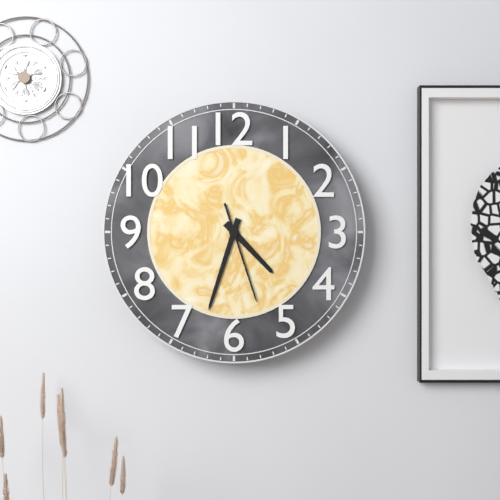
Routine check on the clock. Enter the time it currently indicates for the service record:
4:33:27
